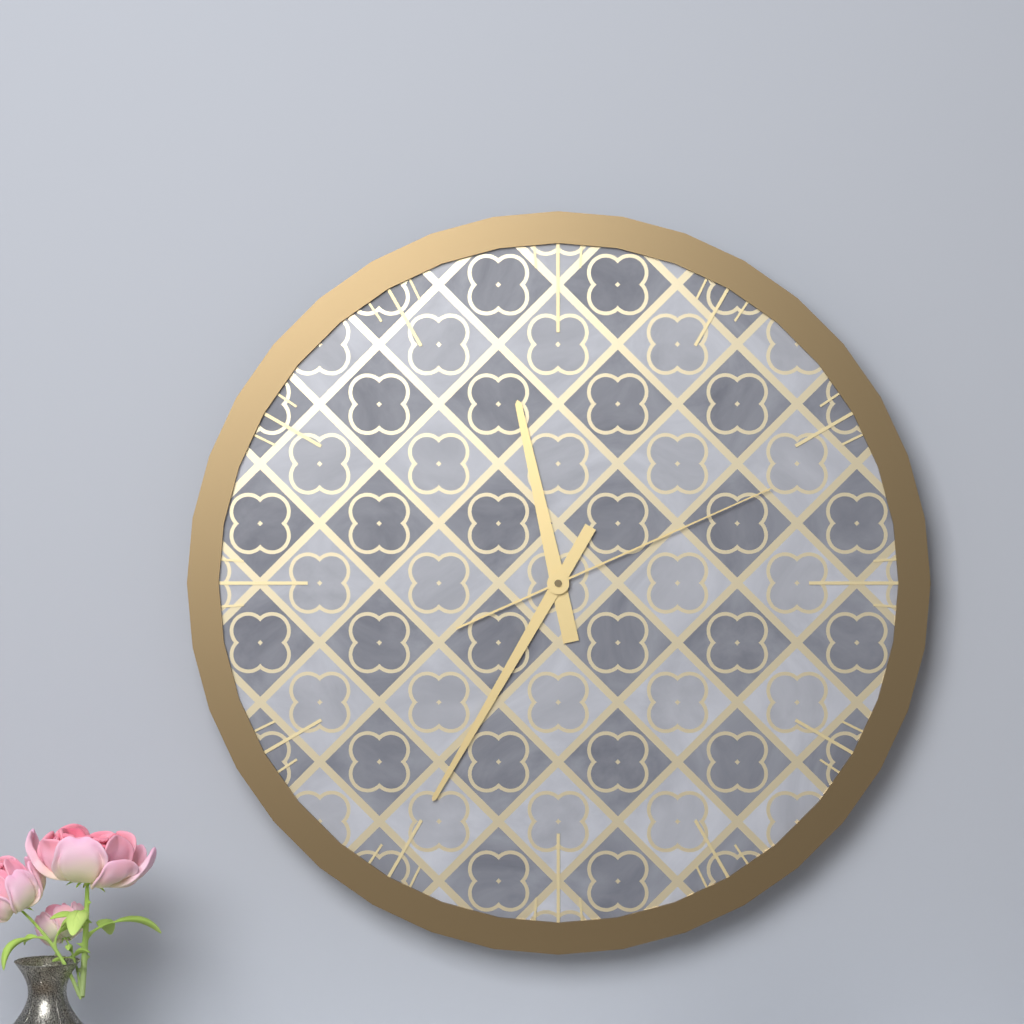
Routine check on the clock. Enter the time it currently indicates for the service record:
11:35:11
